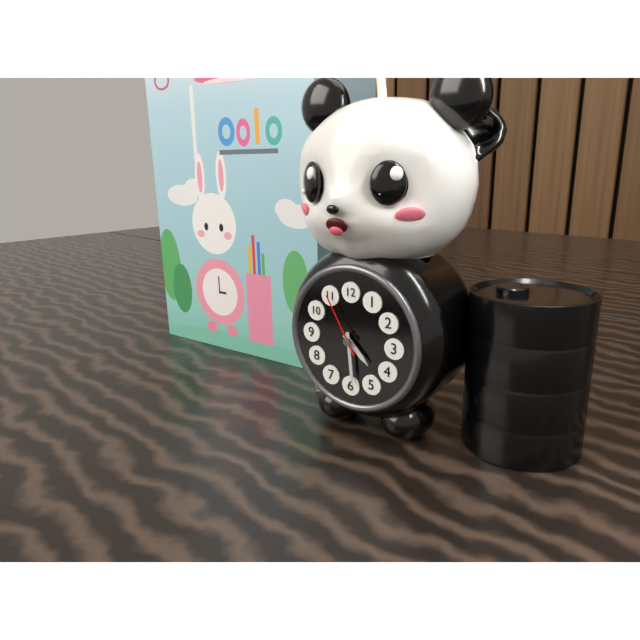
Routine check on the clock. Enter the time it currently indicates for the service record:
4:29:55
